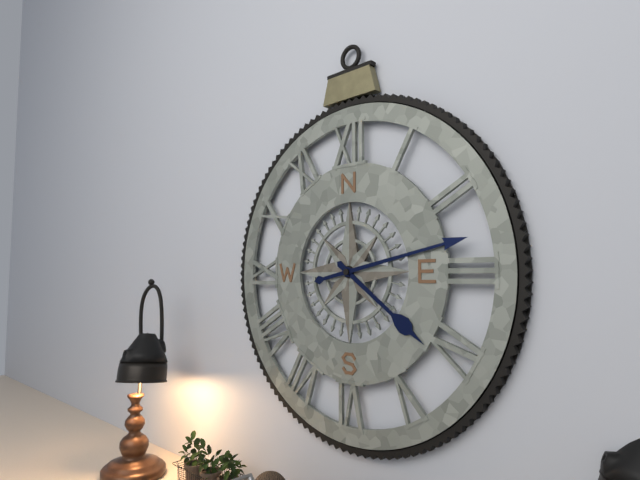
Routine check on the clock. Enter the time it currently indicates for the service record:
4:13
